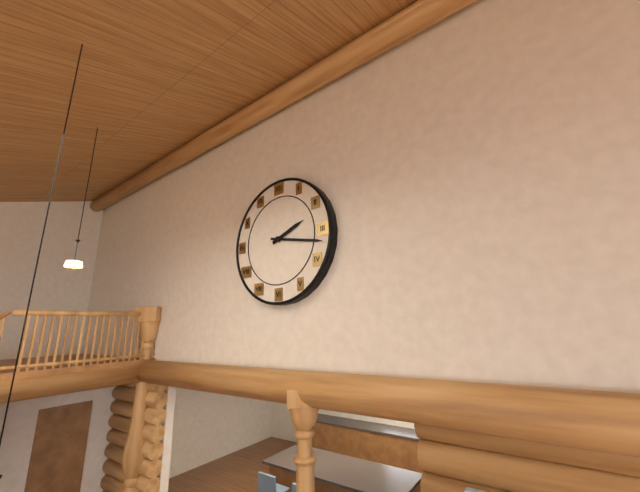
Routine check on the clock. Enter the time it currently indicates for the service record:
2:17
